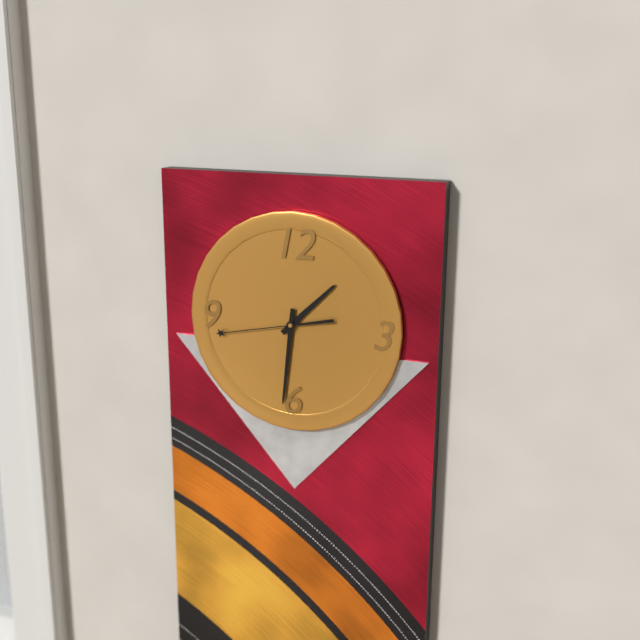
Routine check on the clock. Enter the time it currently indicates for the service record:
1:31:43
